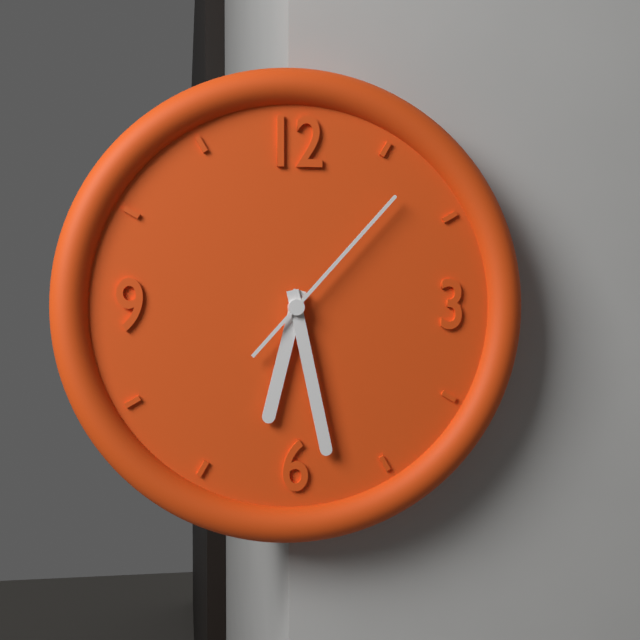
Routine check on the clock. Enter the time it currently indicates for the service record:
6:28:07
